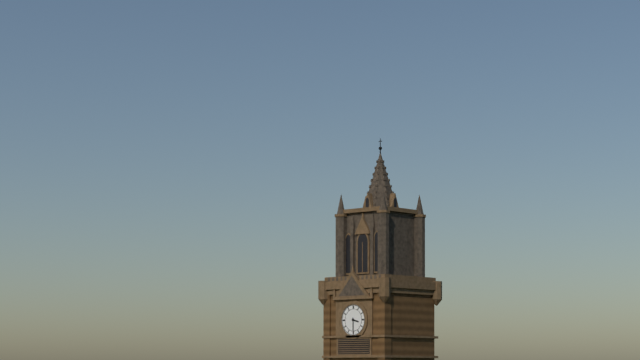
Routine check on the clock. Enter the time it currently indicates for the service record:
3:30
